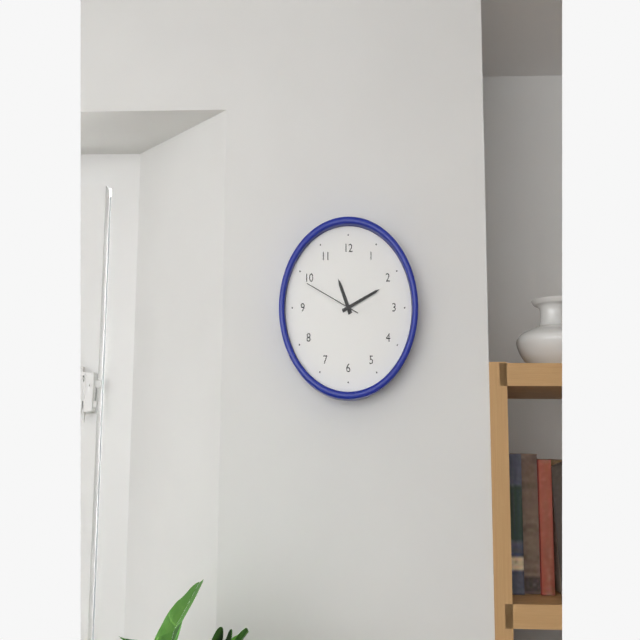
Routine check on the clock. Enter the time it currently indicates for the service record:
11:11:49
